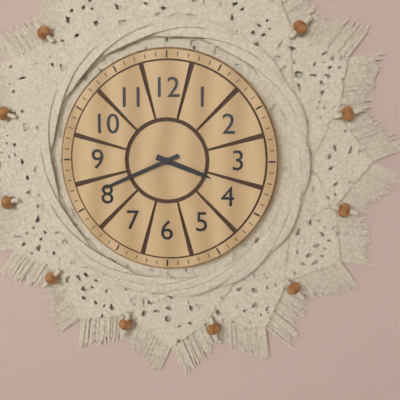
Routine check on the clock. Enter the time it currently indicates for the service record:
3:41
